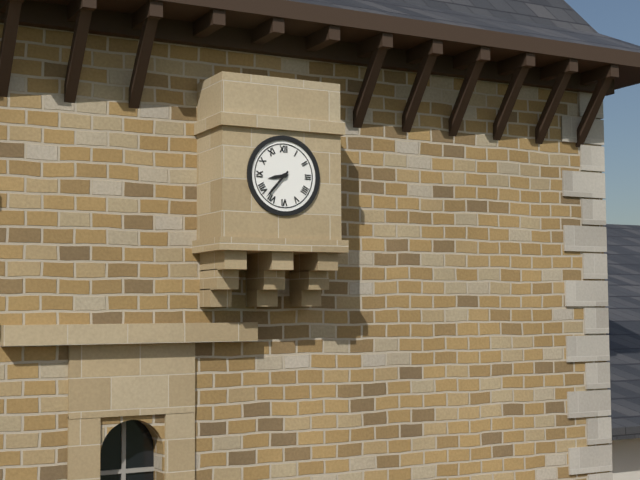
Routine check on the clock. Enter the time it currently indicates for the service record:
8:37
